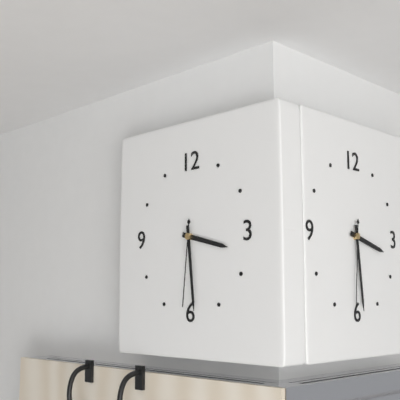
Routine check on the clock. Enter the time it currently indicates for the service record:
3:29:31
